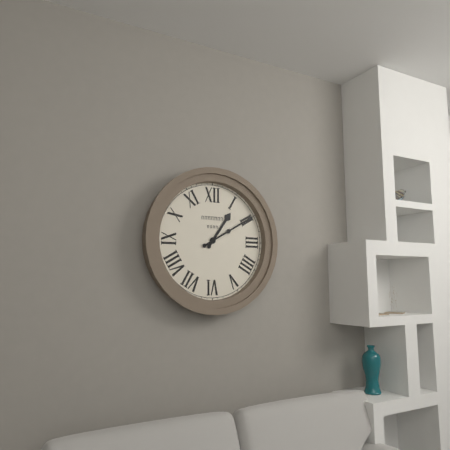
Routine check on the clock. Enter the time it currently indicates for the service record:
1:10
